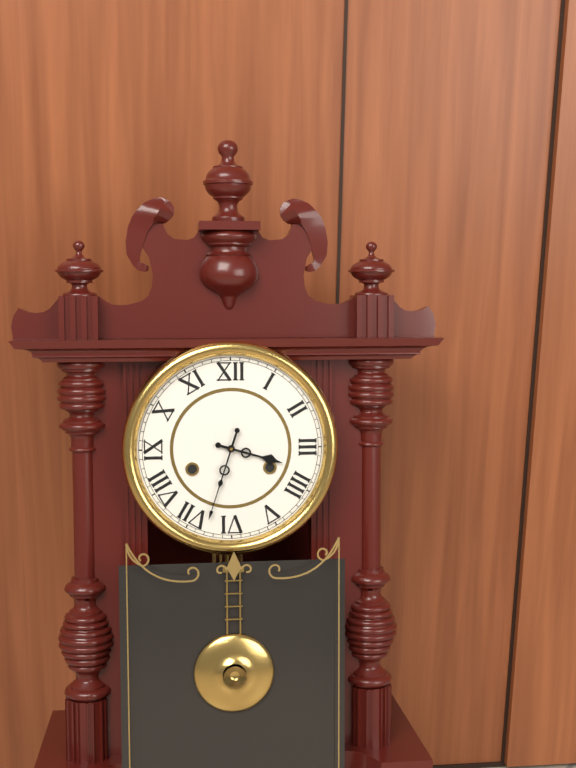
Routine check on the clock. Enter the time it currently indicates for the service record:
3:33
